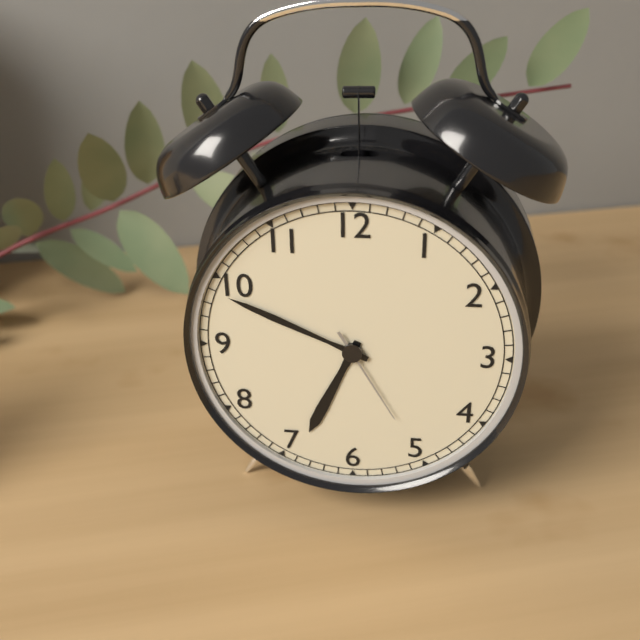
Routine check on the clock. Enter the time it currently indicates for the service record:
6:49:25
